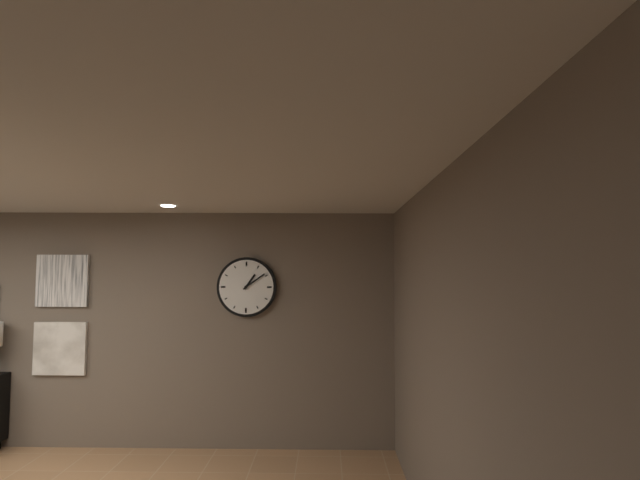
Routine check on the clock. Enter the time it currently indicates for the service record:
1:09
